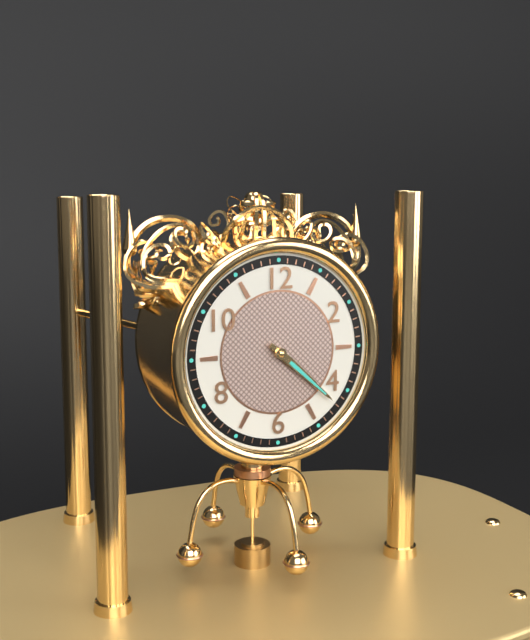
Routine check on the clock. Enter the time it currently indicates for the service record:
4:22
